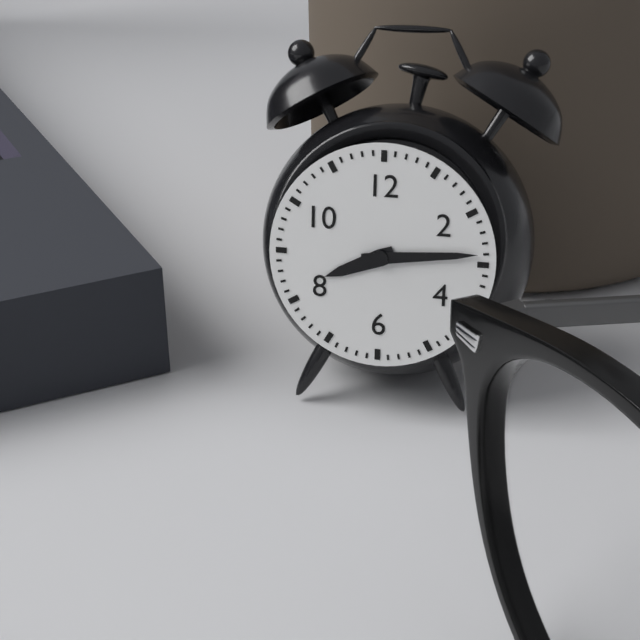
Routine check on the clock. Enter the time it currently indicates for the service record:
8:14
